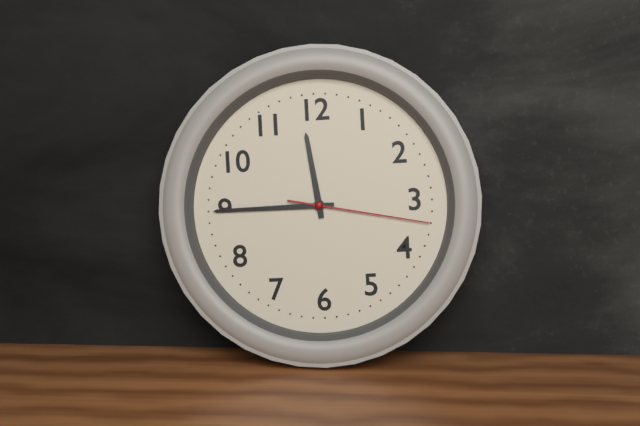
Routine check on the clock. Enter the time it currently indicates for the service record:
11:45:17
